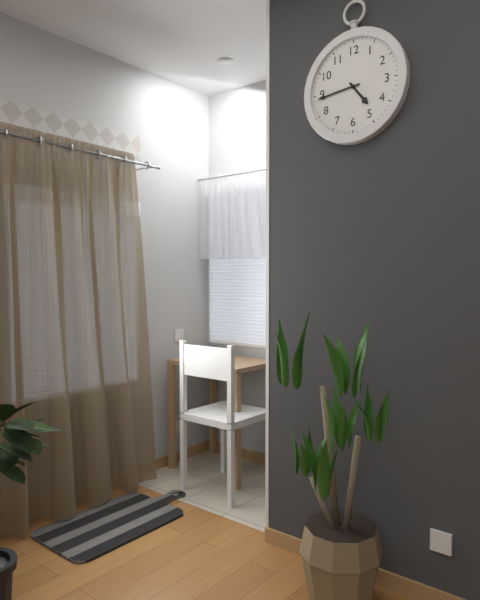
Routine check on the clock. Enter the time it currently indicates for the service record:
4:44
